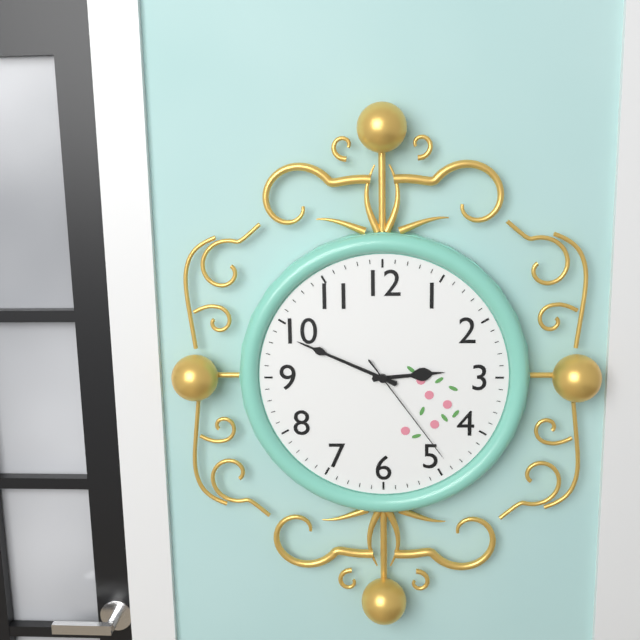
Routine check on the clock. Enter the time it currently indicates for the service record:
2:49:24
